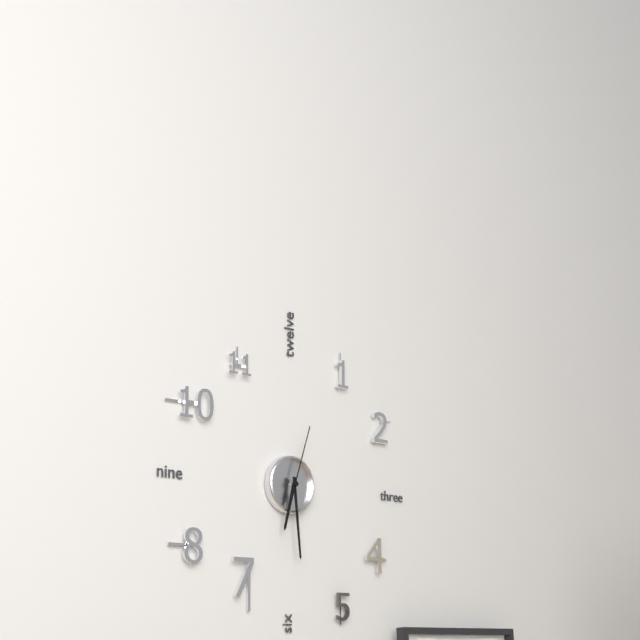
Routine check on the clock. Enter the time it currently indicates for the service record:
6:29:03
